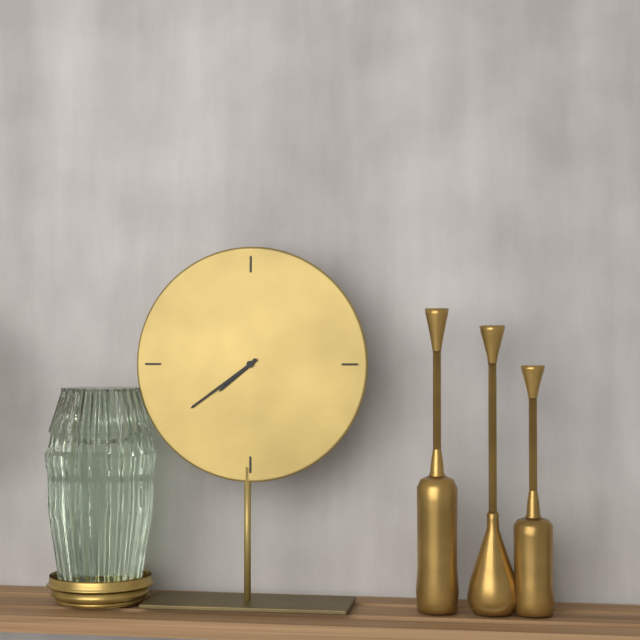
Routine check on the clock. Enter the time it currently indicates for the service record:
7:39
